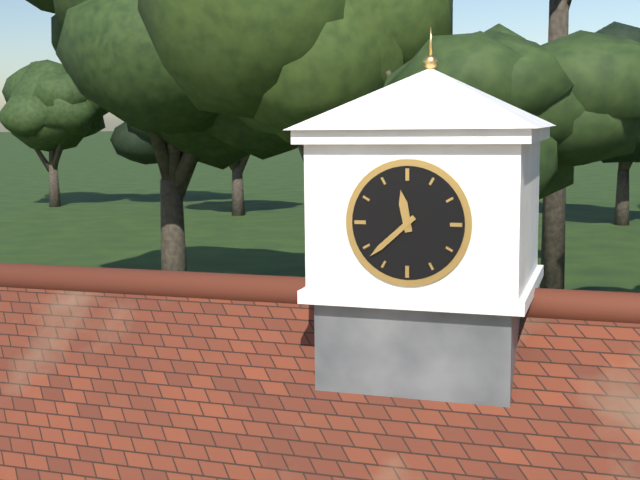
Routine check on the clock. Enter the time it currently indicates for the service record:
11:38
